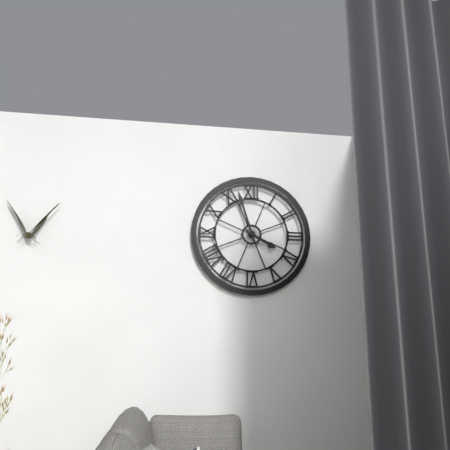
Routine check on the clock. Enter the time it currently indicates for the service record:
3:57
